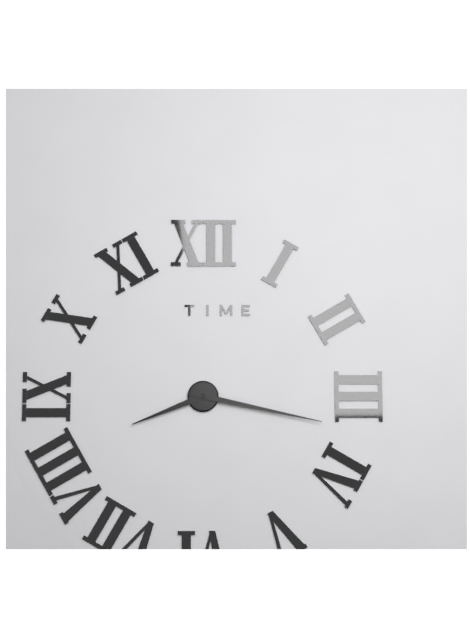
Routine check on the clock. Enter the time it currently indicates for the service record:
8:17
